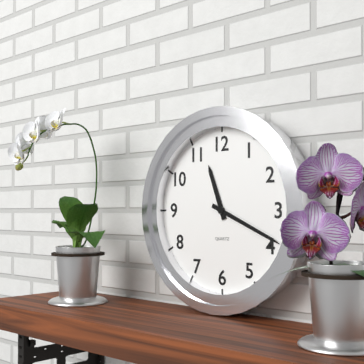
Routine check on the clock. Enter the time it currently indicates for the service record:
11:19
